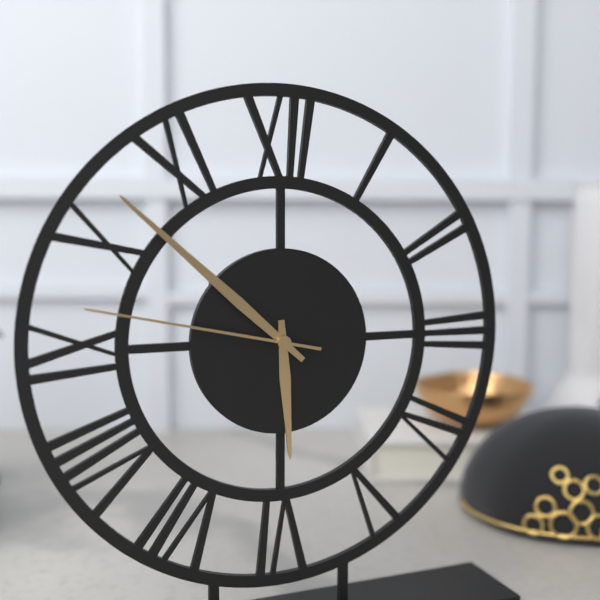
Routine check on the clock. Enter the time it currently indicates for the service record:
5:52:47
